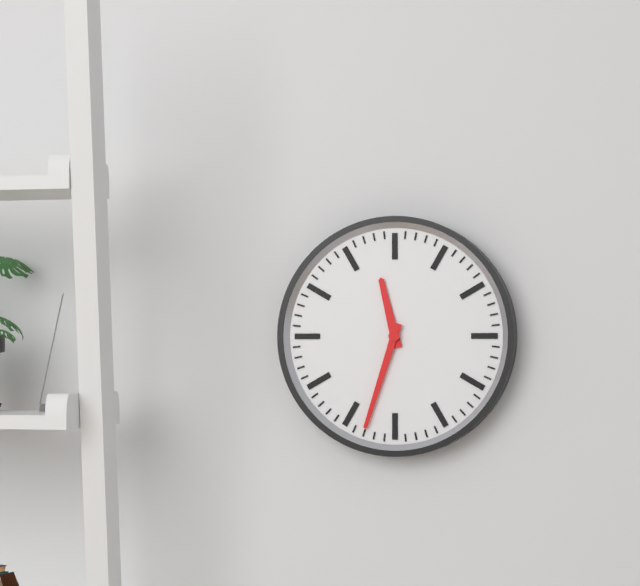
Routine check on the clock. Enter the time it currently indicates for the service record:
11:33
